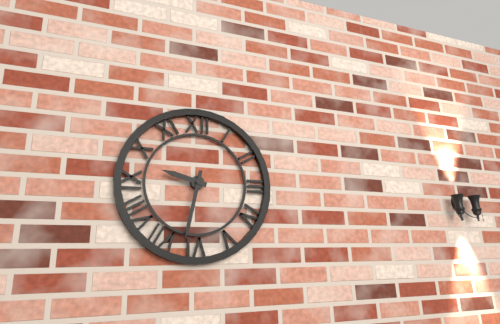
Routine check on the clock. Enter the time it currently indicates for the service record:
9:32
